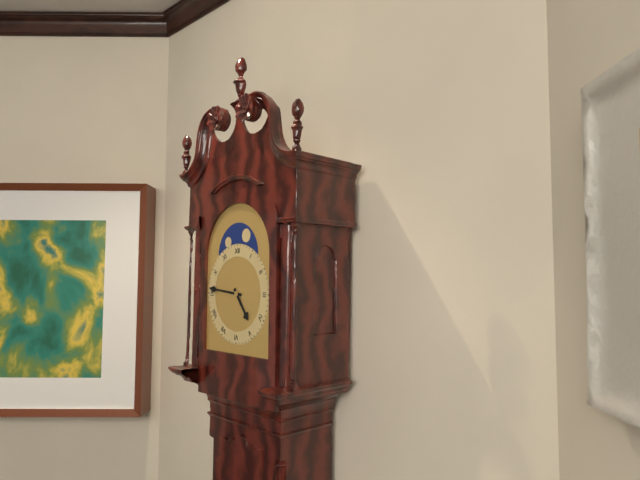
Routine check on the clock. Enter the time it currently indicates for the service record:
4:46
